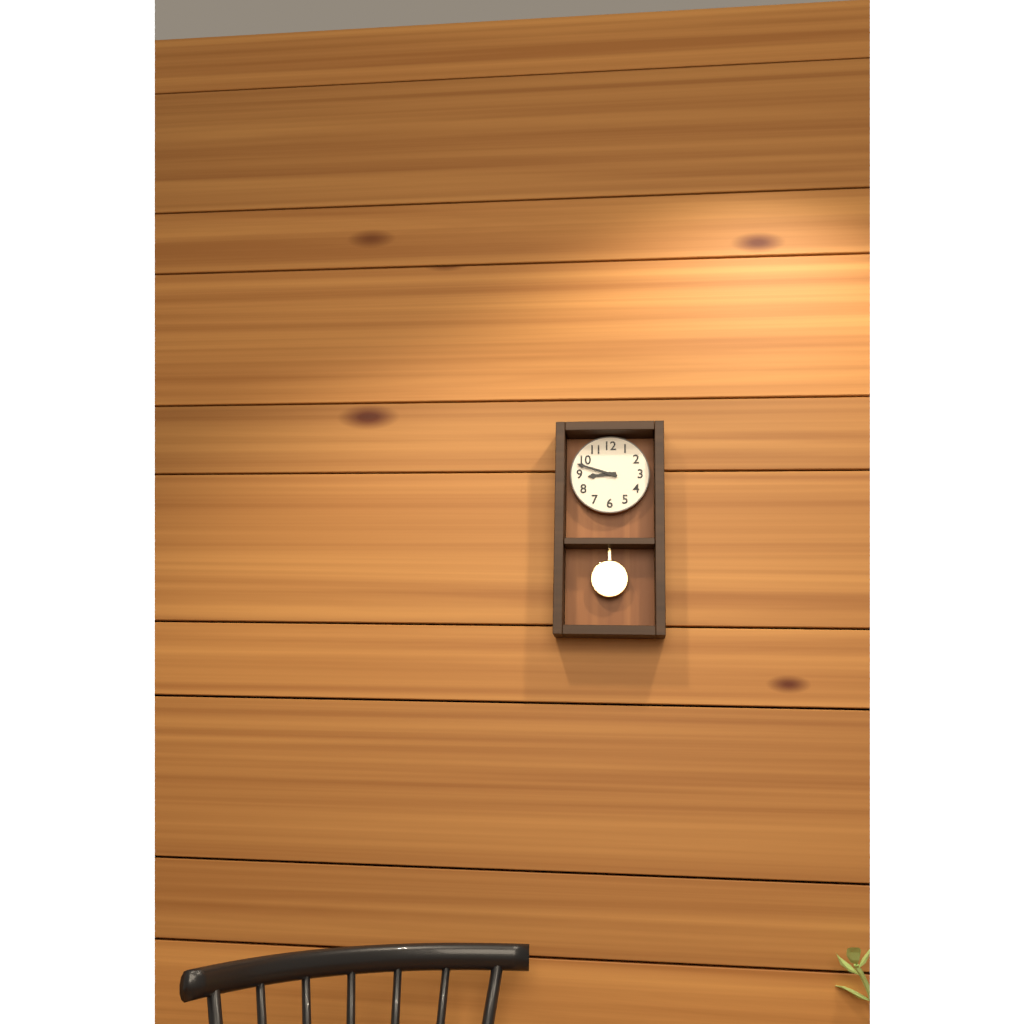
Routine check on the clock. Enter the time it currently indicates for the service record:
8:48
